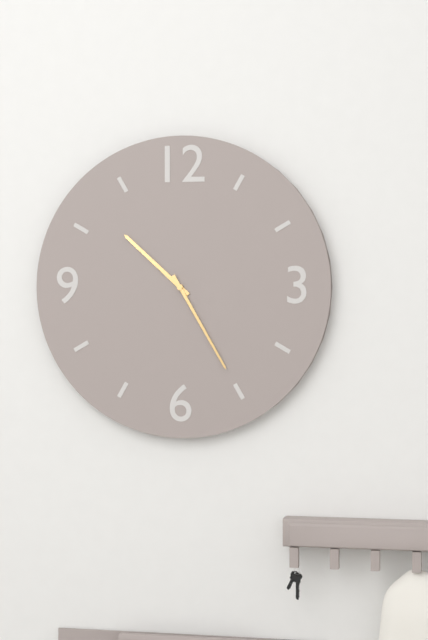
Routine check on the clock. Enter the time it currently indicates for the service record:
10:25
